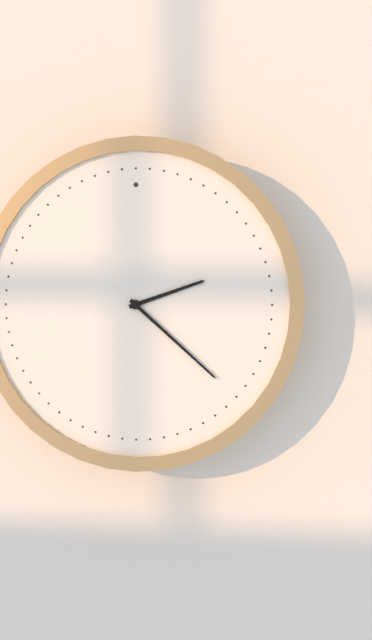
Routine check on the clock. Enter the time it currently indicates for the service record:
2:22
